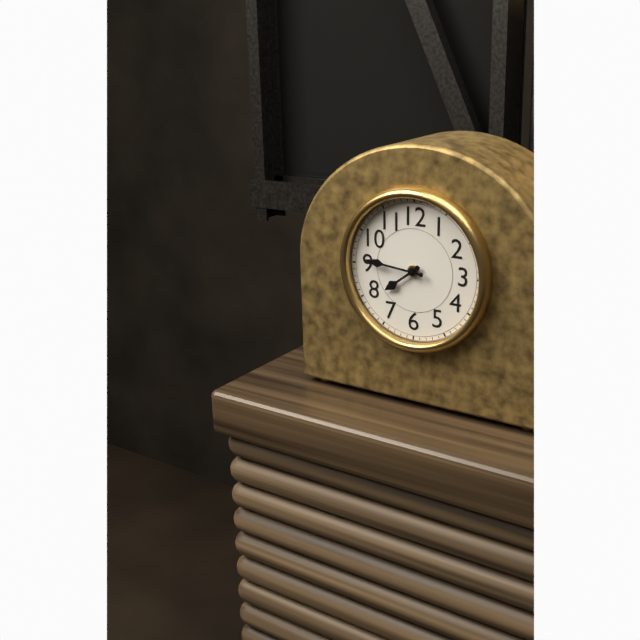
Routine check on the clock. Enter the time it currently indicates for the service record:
7:46
